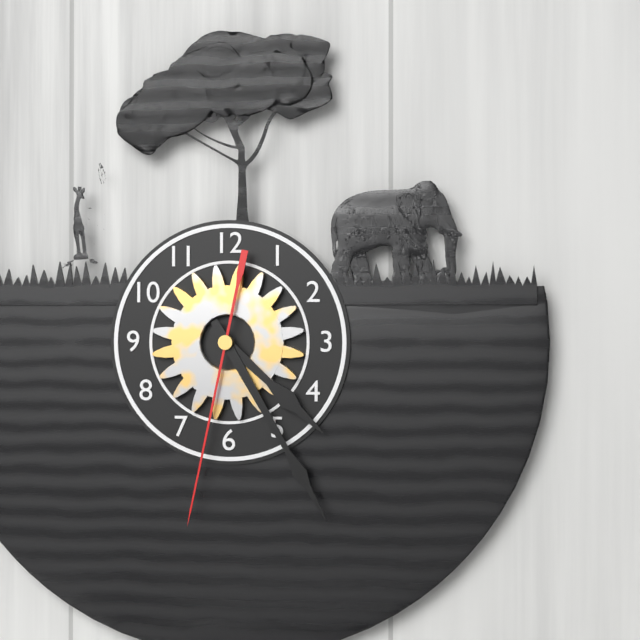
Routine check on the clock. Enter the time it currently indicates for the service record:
4:25:32
